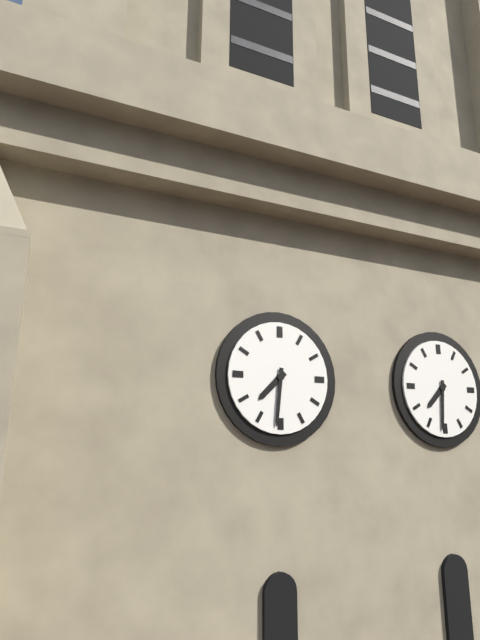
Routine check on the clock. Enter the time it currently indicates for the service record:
7:31
